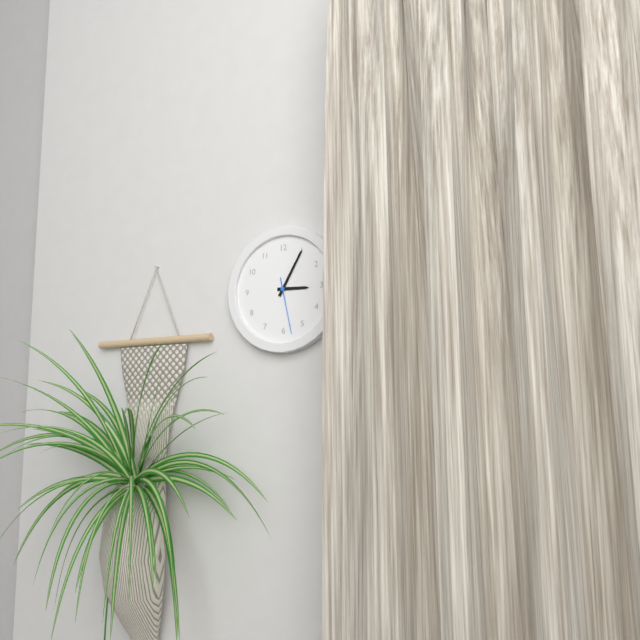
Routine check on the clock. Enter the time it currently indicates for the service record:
3:05:28
